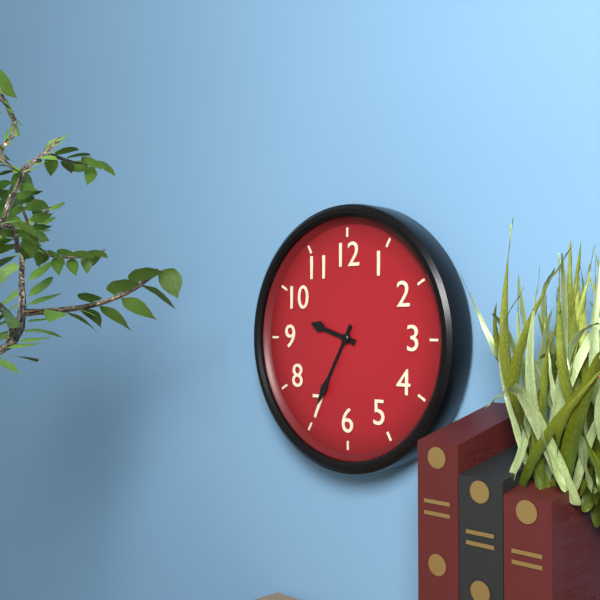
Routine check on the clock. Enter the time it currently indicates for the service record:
9:35
